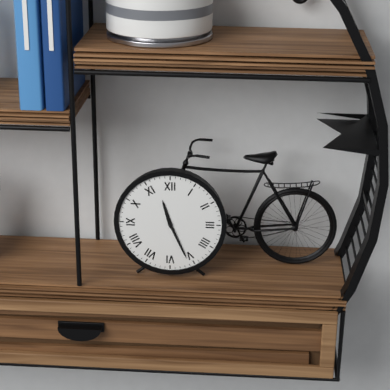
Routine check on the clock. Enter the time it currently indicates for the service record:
11:26
